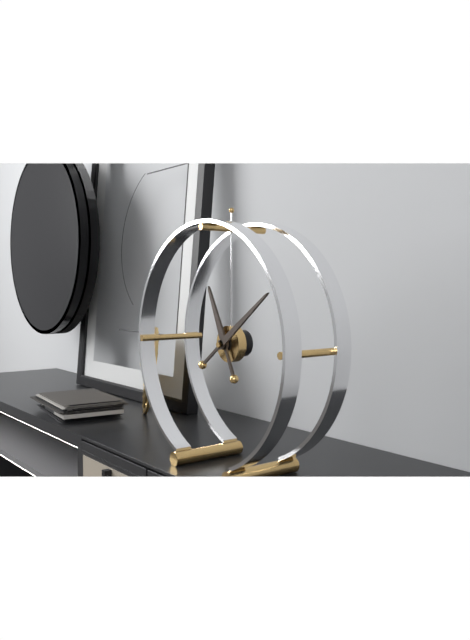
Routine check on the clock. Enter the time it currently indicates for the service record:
11:09
